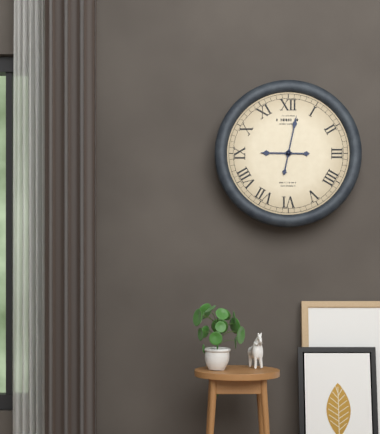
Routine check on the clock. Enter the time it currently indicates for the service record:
9:02
